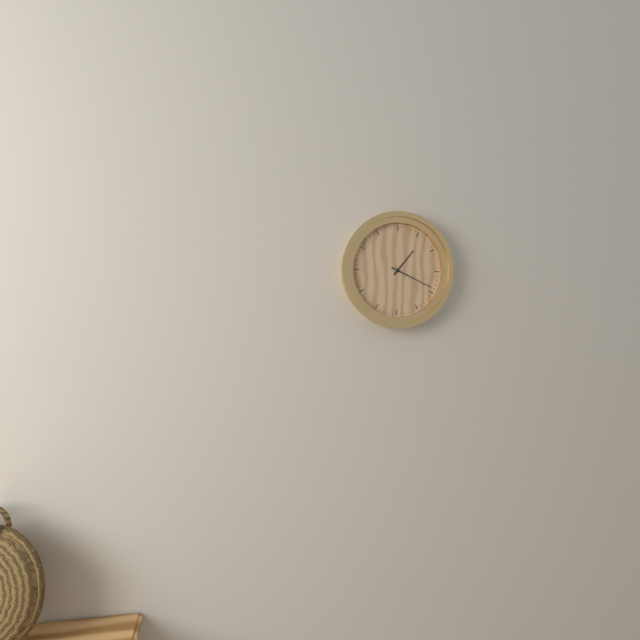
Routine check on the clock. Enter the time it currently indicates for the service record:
1:19
